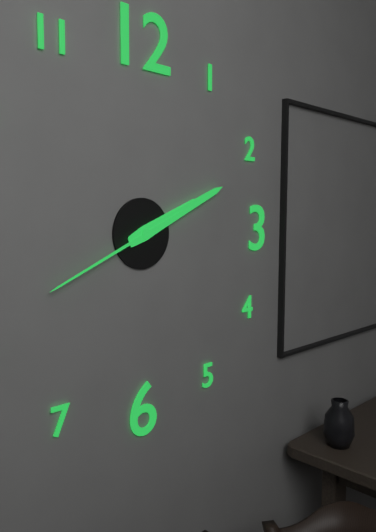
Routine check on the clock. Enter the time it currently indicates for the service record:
2:11:41
